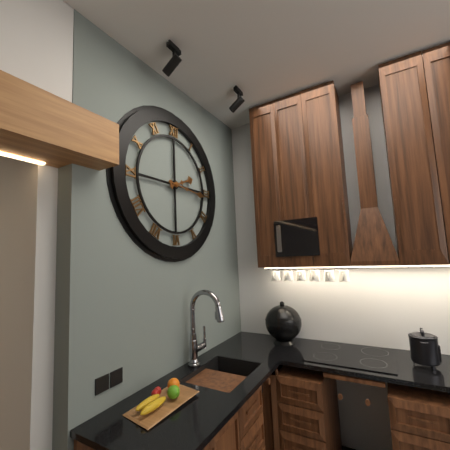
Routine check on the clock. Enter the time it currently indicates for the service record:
2:16
